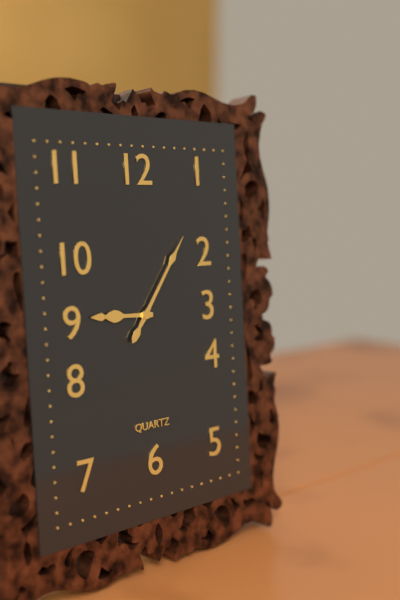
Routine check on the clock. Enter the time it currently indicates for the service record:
9:06
